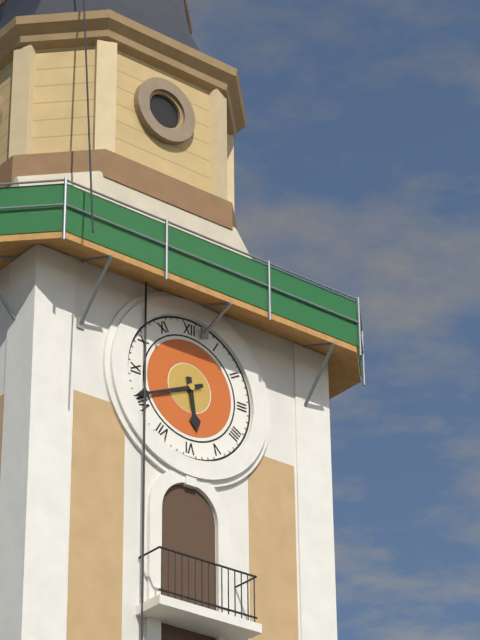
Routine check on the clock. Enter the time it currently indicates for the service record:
5:41
